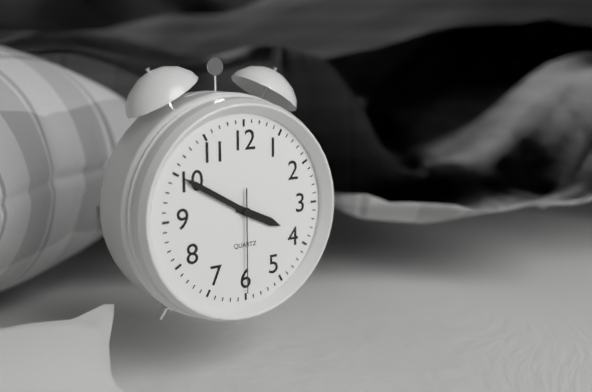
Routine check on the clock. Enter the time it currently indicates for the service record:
3:50:30
